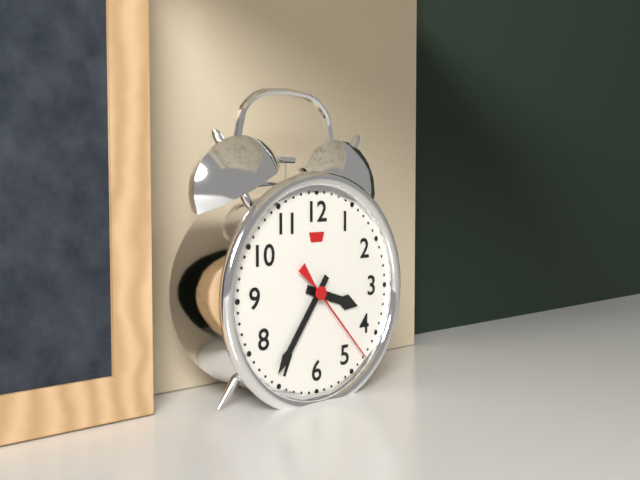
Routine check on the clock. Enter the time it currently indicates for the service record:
3:36:23
